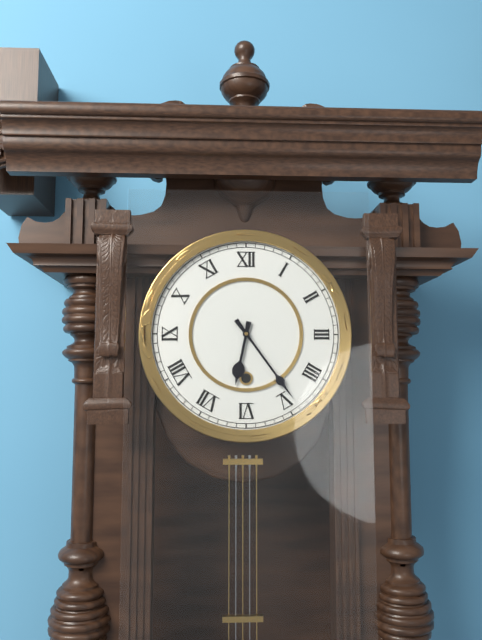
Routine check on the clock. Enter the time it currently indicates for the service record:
6:24
